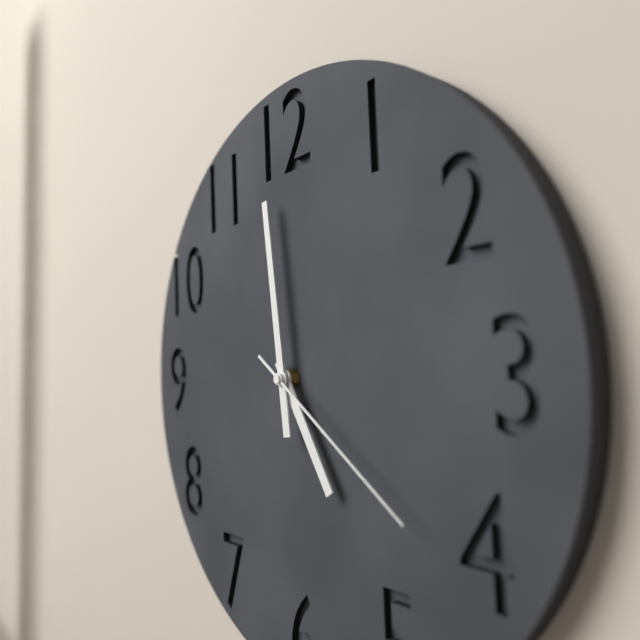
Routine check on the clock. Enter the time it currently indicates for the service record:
4:59:21
